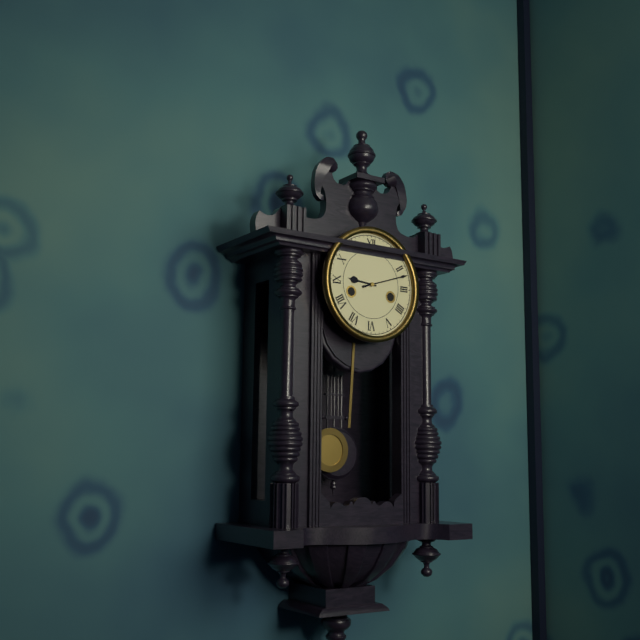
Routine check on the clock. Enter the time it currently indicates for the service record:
9:12
